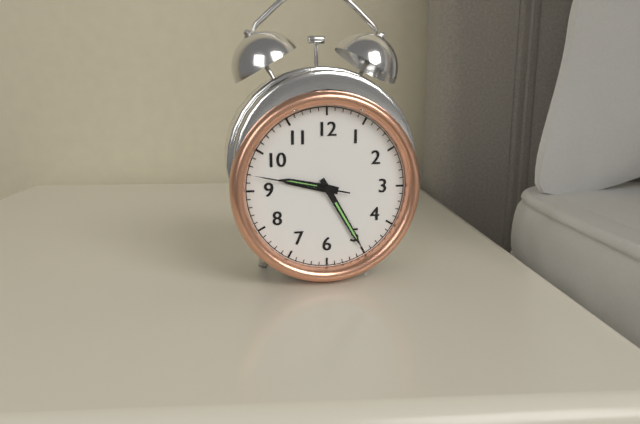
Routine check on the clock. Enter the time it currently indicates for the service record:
9:25:47
